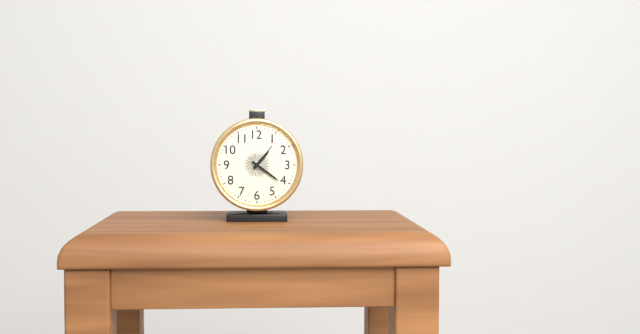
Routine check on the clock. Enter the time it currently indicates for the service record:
1:21
